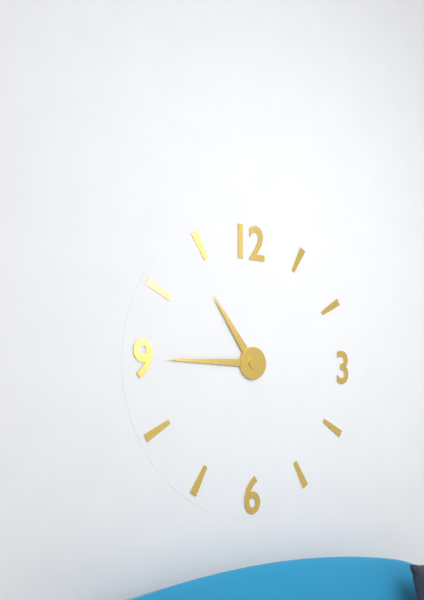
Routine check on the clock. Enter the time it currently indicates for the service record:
10:45
